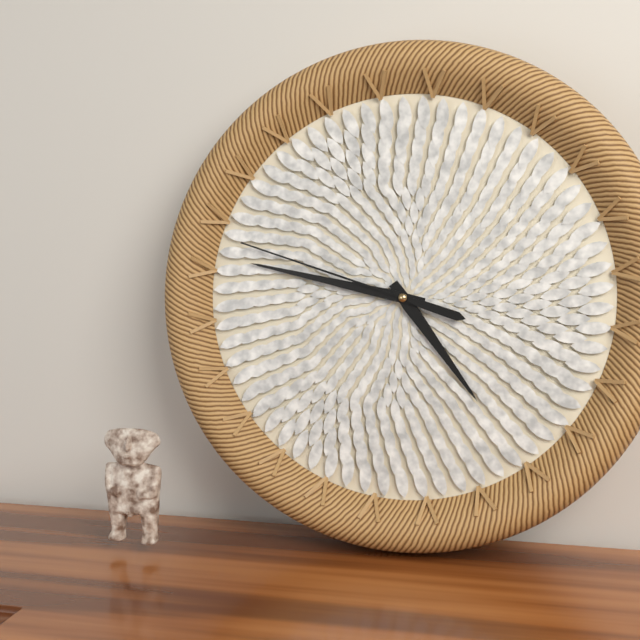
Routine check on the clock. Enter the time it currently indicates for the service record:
4:47:48
